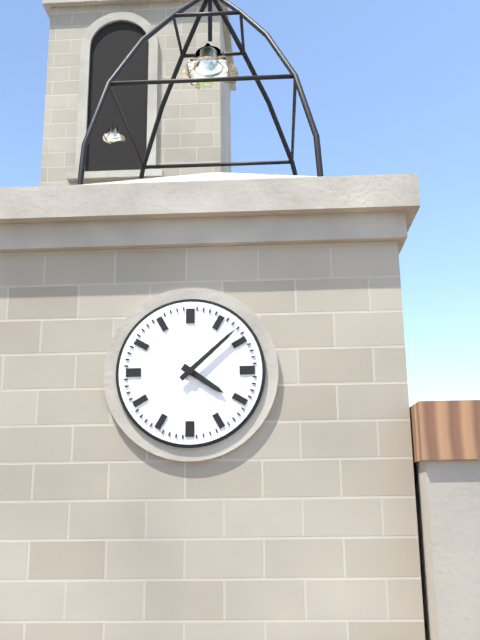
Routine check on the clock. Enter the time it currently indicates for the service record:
4:08
